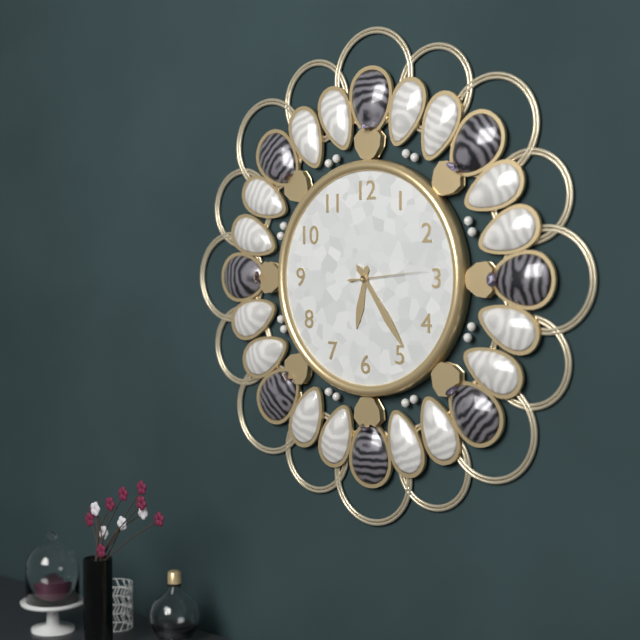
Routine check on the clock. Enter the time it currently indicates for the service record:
6:24:14
